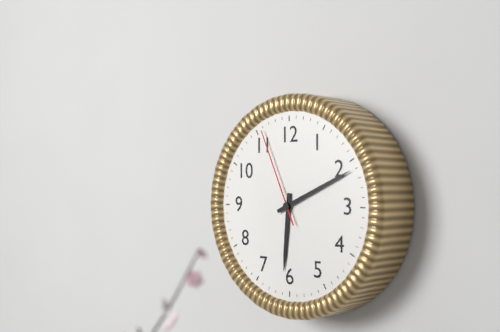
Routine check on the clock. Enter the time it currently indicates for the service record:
6:11:56
